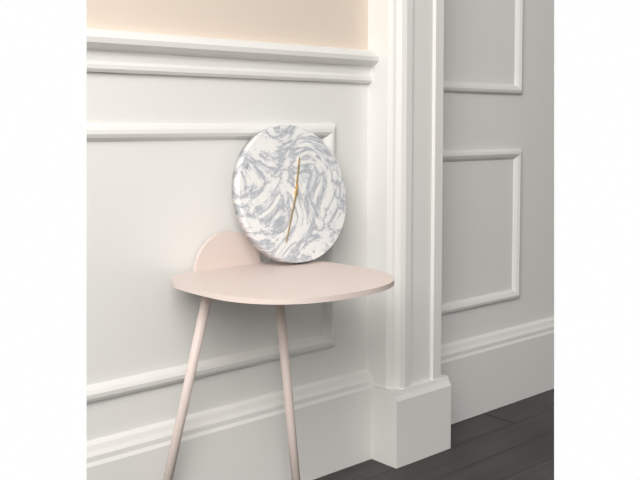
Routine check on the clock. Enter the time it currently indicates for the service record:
12:34
